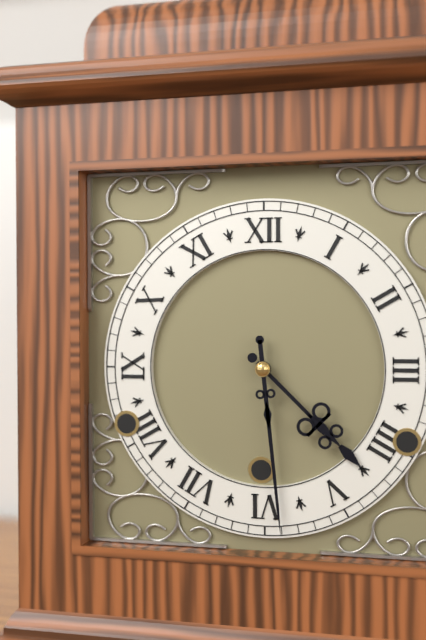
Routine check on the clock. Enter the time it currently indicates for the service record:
4:29
